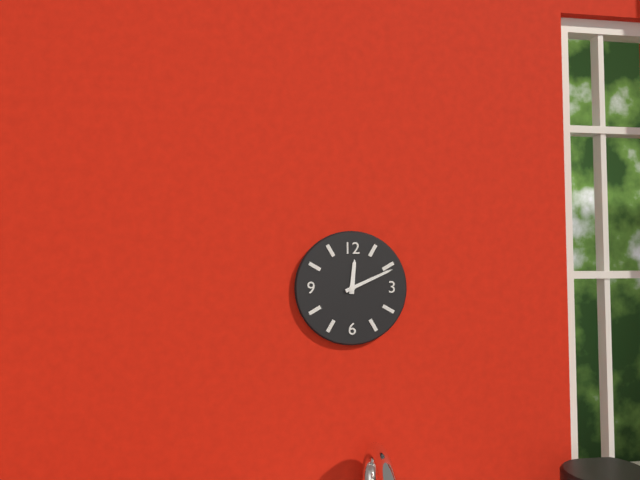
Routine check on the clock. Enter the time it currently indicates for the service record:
12:11
